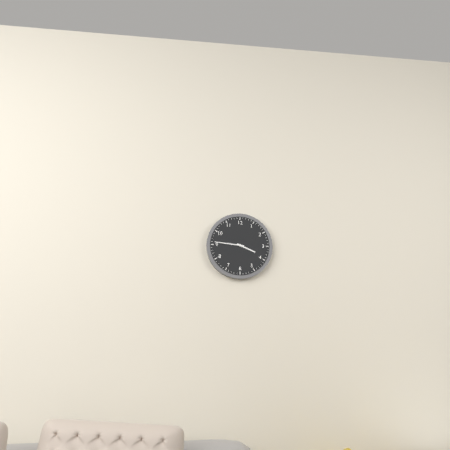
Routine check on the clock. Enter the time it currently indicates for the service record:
3:46
